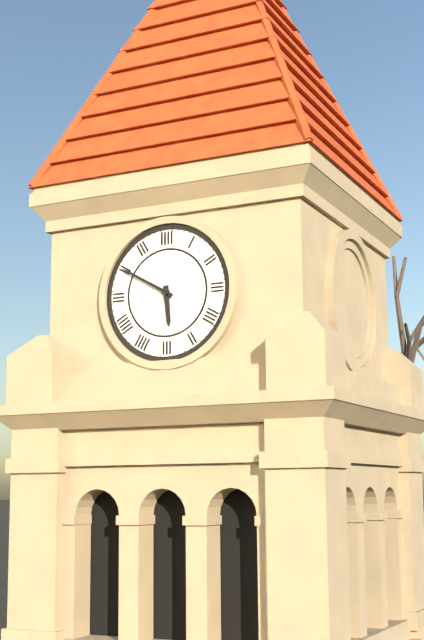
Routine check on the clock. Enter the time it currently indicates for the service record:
5:50
